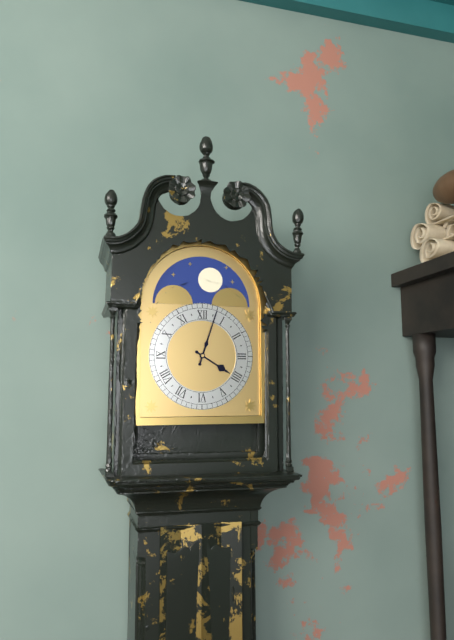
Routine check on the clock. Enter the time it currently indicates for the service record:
4:03
